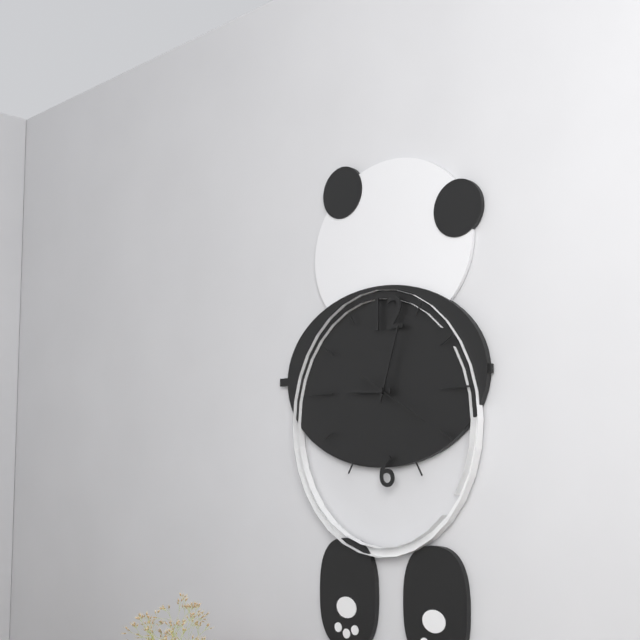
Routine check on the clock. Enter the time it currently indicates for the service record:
9:03:20
